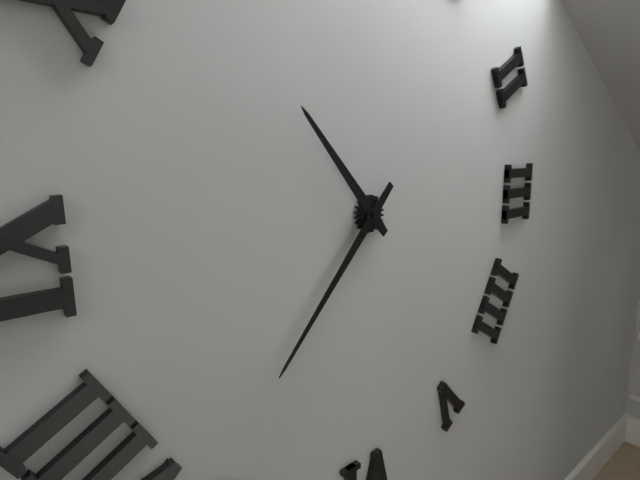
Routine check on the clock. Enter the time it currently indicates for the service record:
10:37
